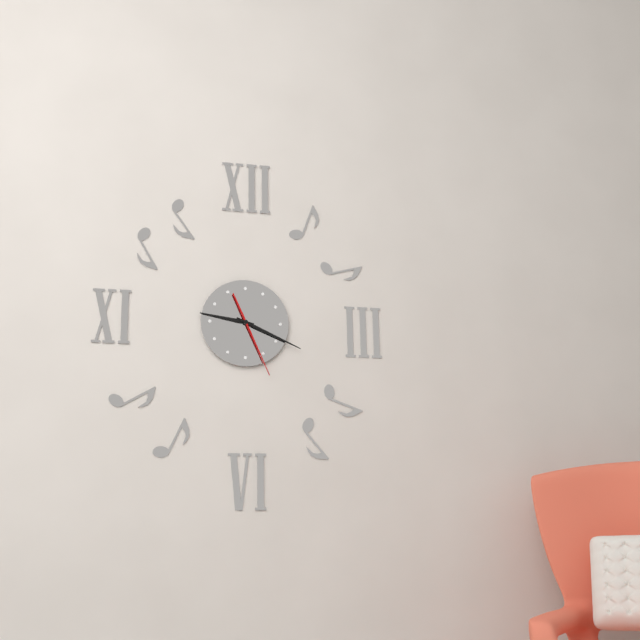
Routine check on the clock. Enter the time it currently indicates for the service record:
9:19:26
